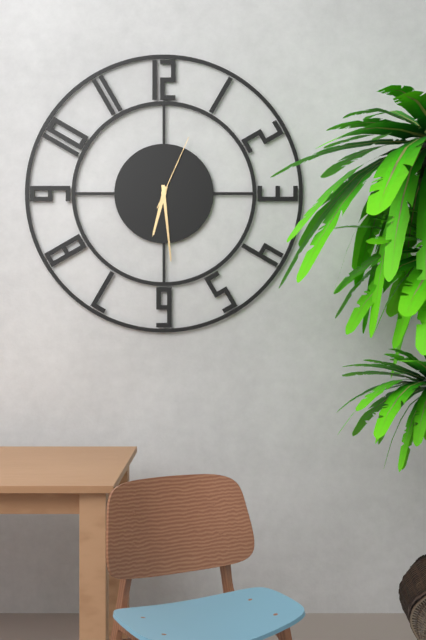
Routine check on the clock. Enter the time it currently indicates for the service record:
6:29:04
